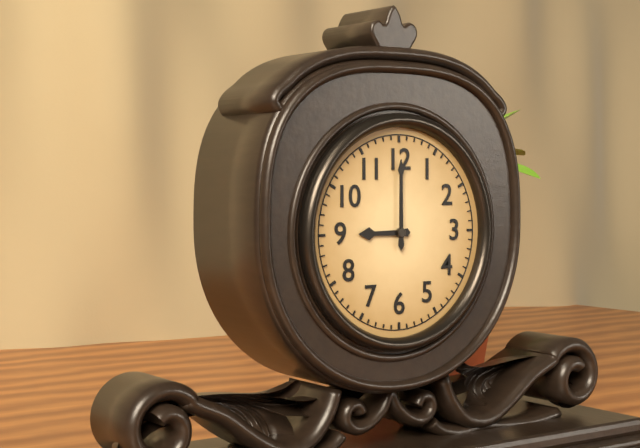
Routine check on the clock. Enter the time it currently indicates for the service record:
9:00
